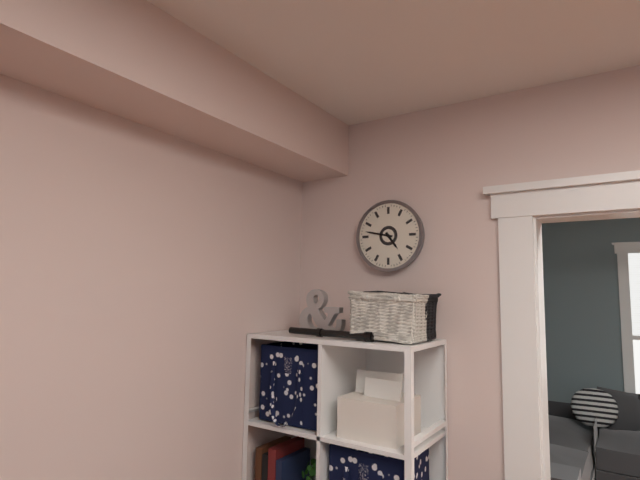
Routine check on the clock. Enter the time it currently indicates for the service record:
4:47
